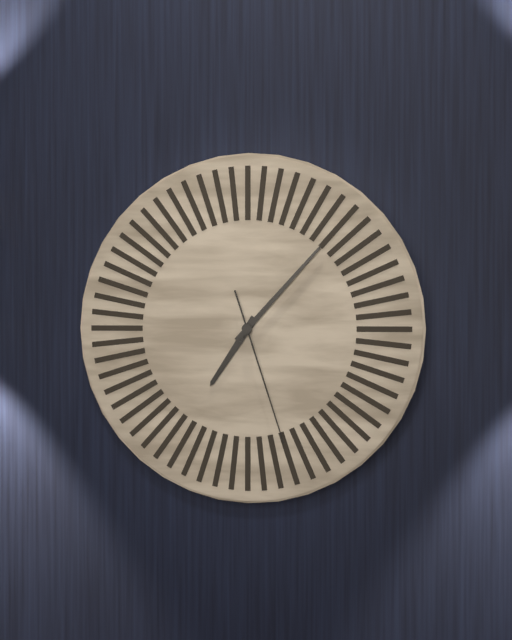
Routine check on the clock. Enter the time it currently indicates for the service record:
7:07:27
